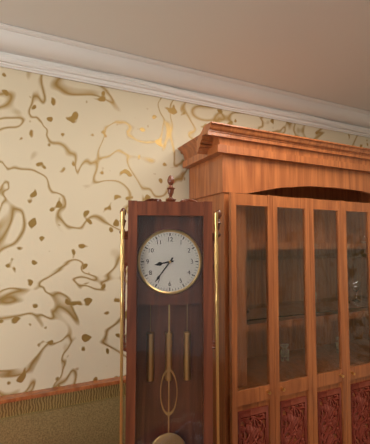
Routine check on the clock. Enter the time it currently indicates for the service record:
8:36
